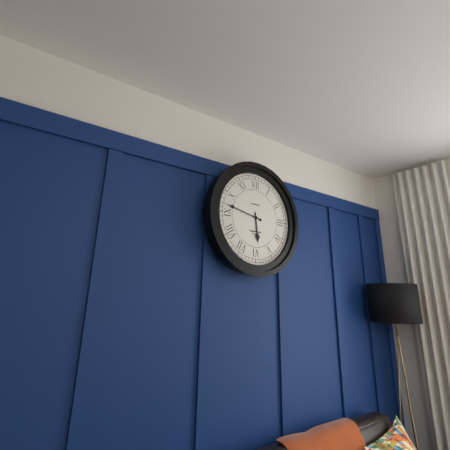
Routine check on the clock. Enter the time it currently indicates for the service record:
5:47
